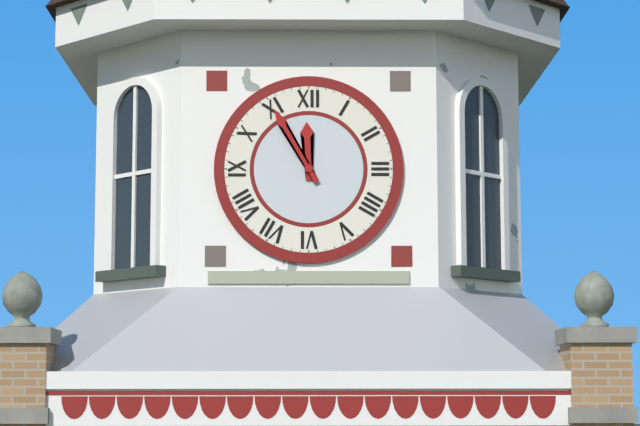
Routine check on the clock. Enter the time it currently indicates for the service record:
11:55
